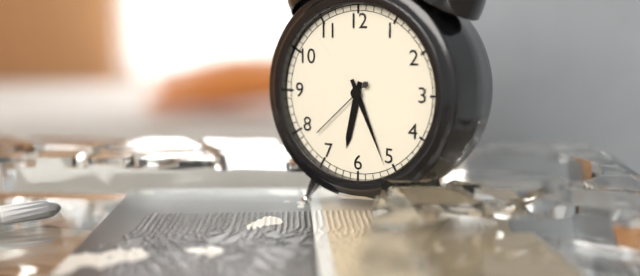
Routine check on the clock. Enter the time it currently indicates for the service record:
6:26:38
